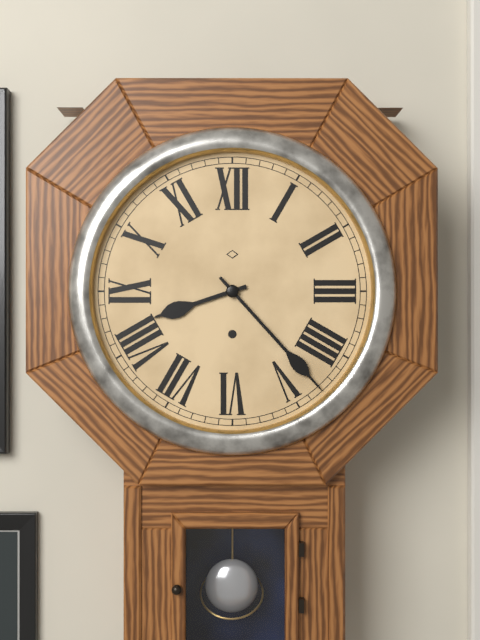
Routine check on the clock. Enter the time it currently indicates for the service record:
8:23
